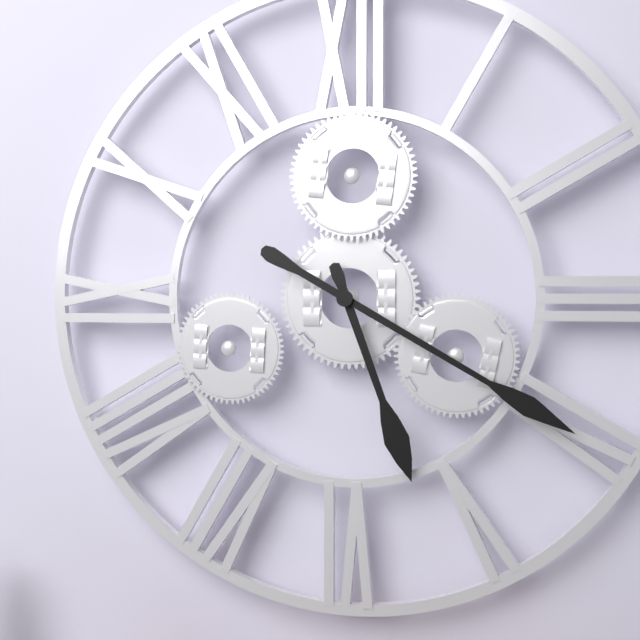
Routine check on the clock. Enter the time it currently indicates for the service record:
5:20
